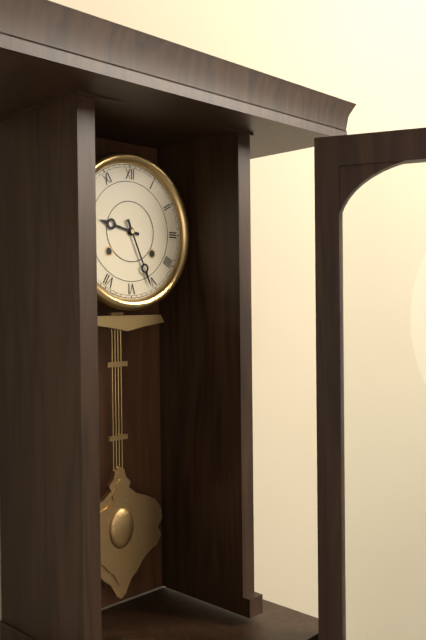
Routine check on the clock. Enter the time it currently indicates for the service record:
9:26
